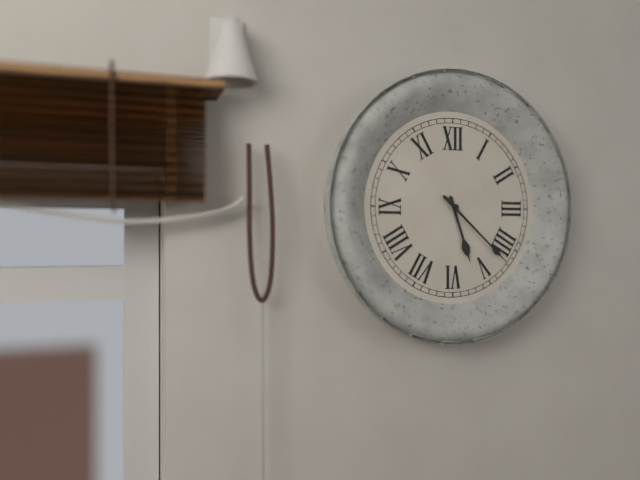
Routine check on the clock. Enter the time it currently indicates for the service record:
5:22
